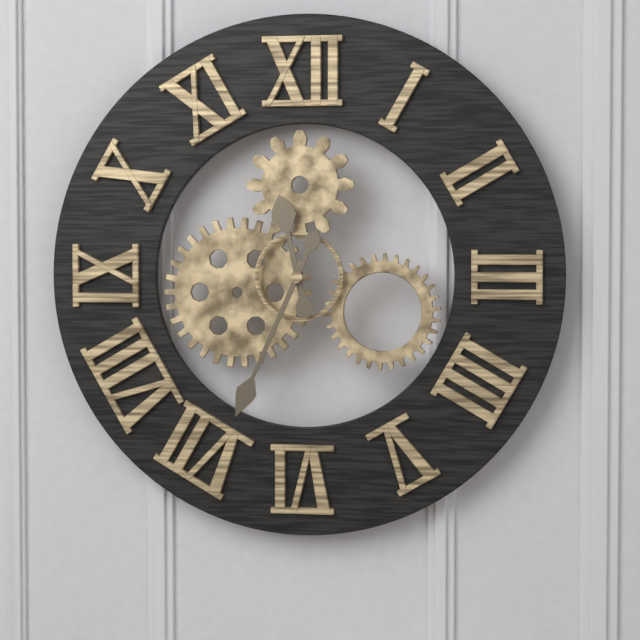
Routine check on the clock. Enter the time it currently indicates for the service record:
11:34
